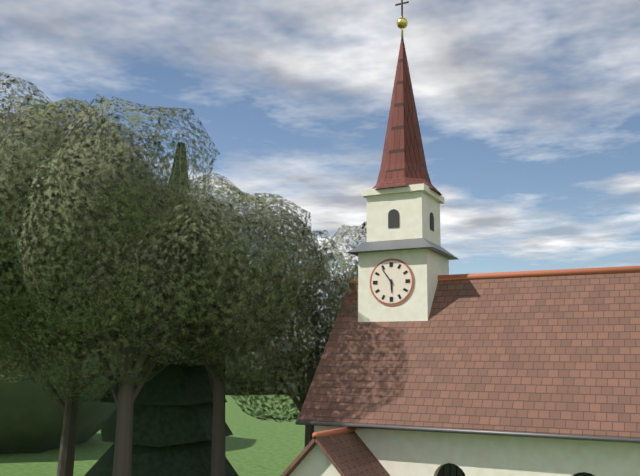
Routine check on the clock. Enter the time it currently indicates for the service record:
5:54
